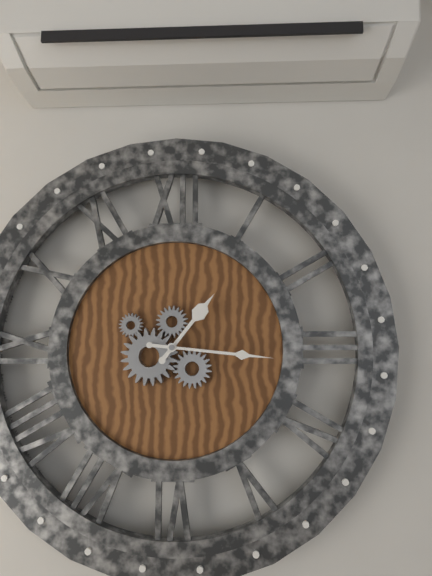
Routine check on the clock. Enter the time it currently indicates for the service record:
1:16
